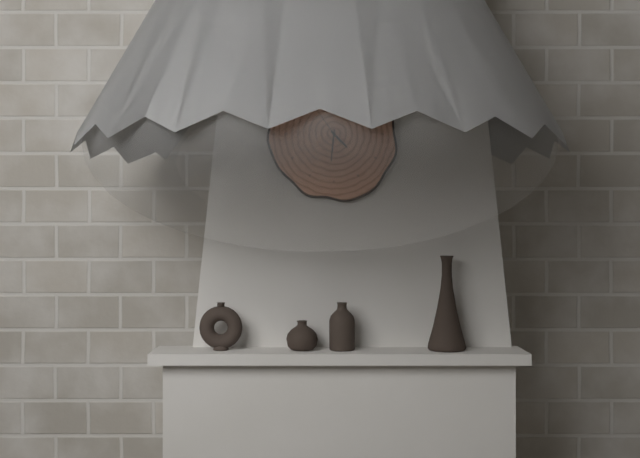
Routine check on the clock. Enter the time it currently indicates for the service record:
4:31
